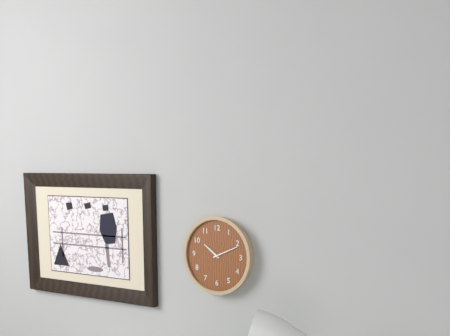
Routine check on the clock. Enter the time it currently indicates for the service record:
10:11
